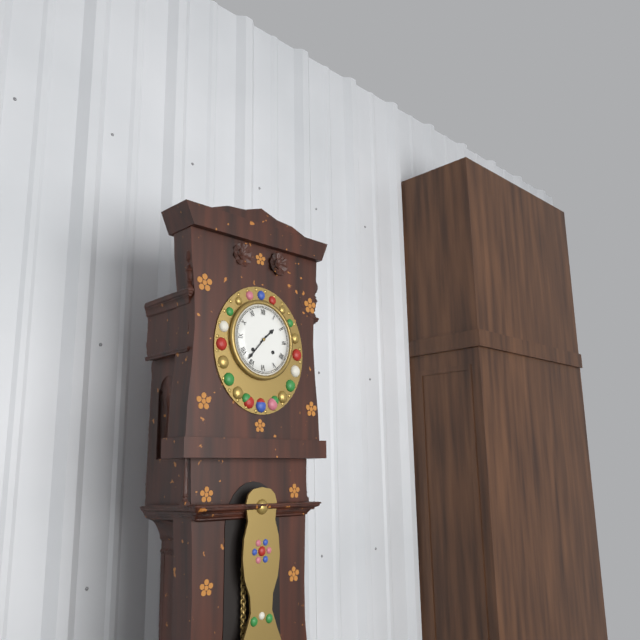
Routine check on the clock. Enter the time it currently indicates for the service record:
1:37
